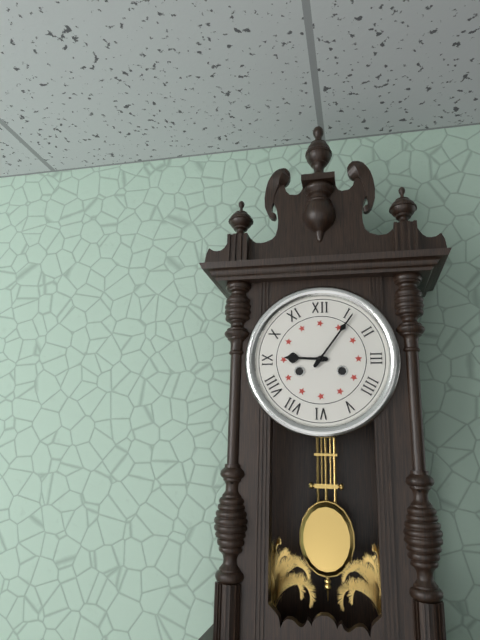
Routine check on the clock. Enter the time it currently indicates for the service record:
9:06
